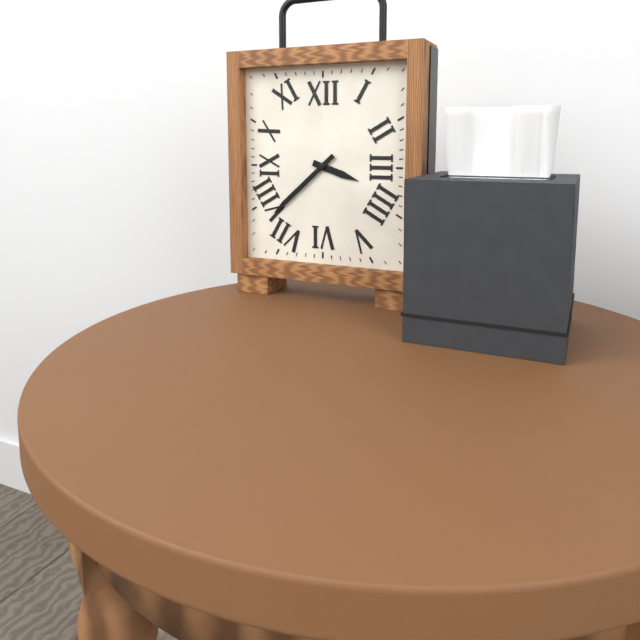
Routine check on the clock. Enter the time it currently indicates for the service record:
3:38
